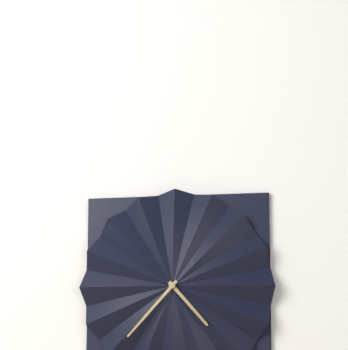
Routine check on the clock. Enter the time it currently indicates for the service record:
4:37
